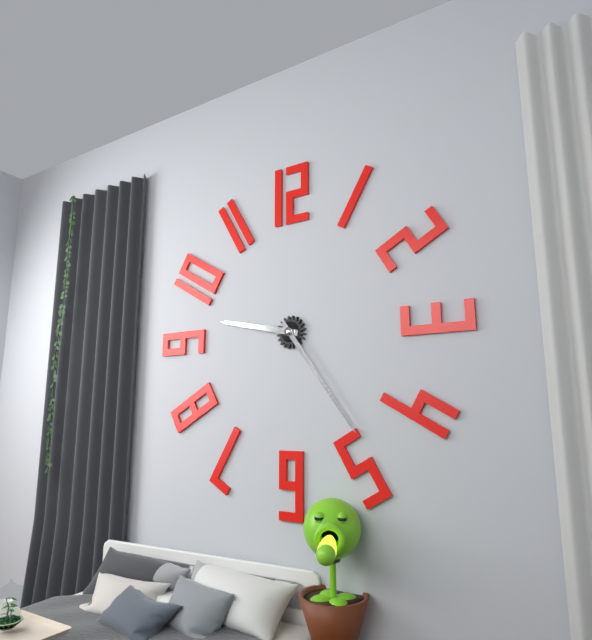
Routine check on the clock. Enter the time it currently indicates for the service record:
9:24
